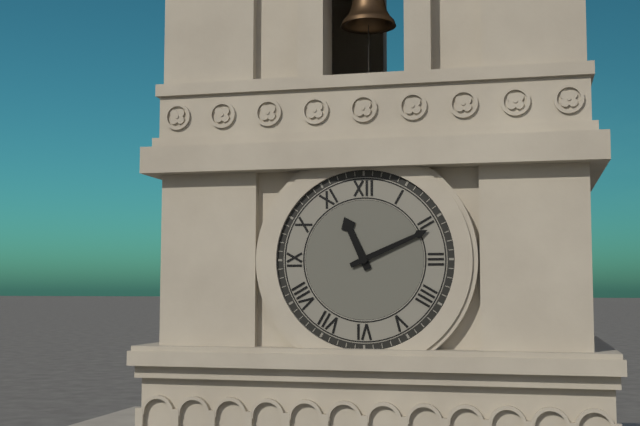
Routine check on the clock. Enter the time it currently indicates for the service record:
11:11
